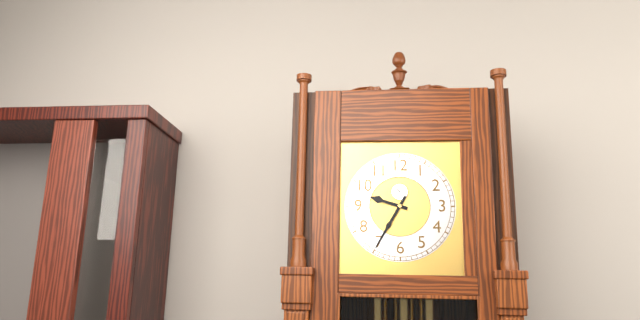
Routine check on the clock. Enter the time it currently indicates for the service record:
9:35
